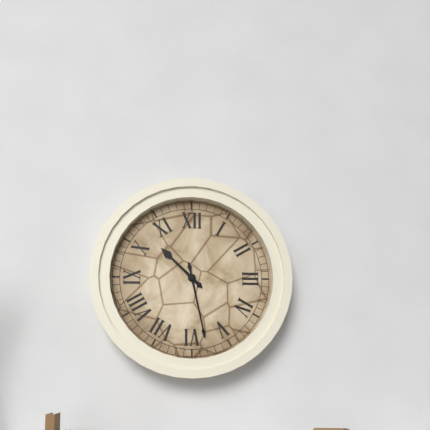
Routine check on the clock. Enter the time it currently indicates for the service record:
10:28
